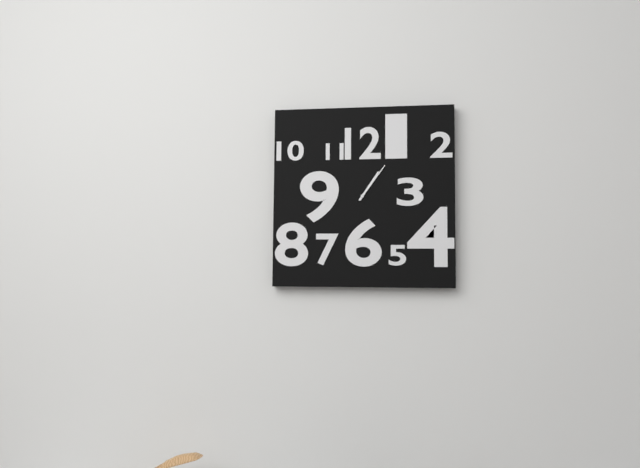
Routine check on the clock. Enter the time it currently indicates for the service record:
1:06
